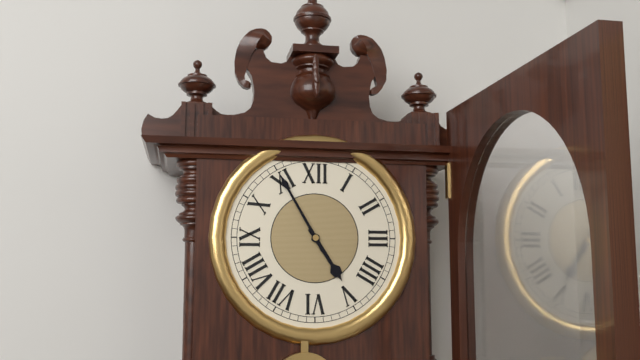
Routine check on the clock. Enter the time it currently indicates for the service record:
4:55
